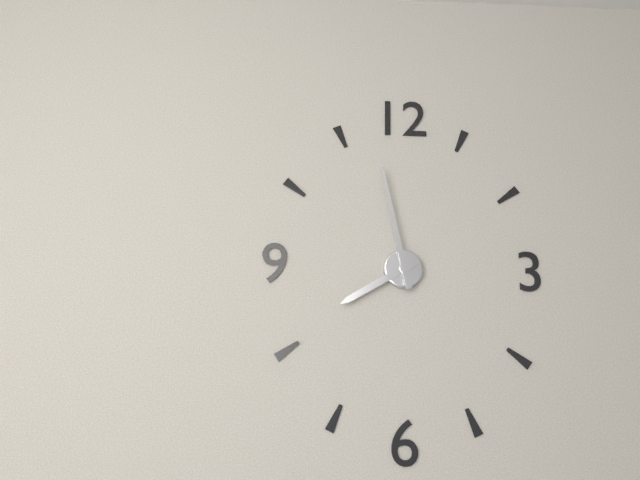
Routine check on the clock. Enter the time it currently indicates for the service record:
7:58
